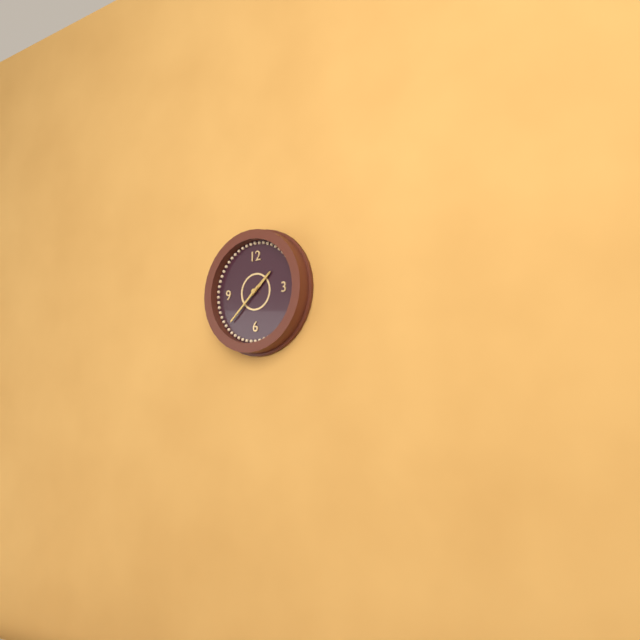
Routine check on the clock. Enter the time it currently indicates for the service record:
1:38
